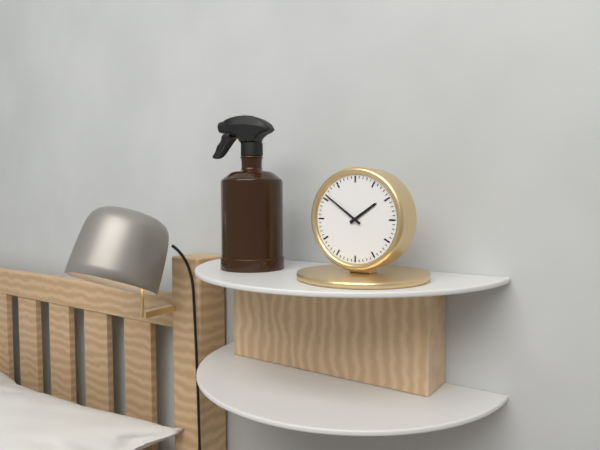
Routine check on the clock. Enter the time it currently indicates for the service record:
1:51
